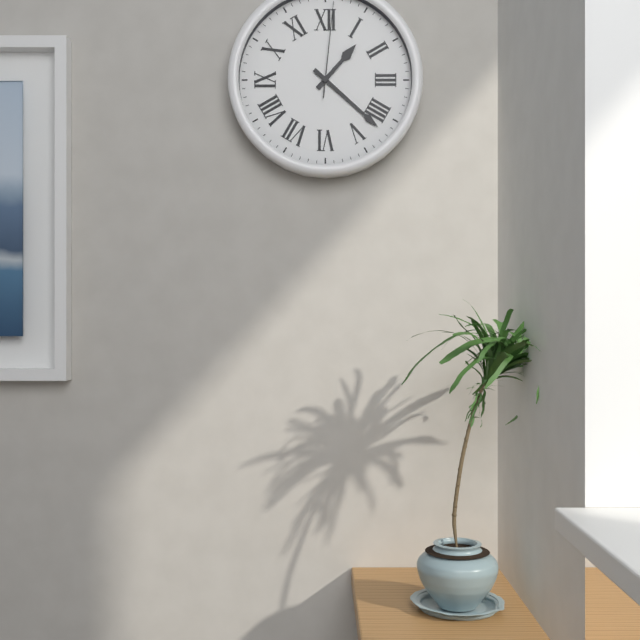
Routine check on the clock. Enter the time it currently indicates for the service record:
1:22:01
